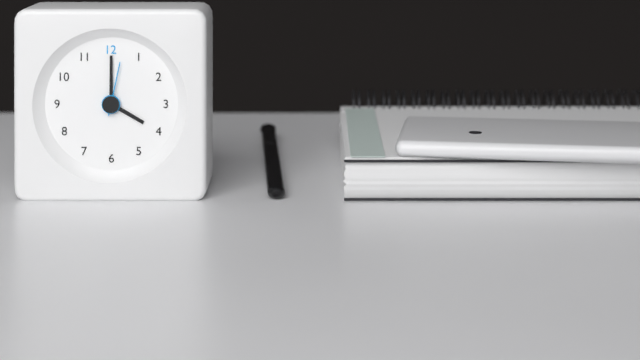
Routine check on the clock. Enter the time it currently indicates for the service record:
4:00:02
